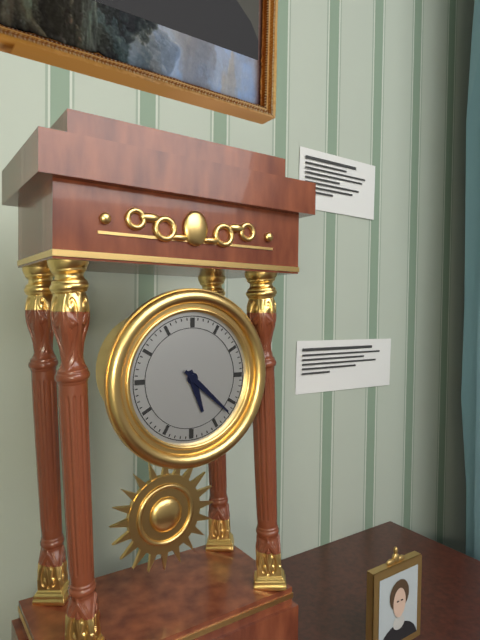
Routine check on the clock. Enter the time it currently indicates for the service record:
5:22
